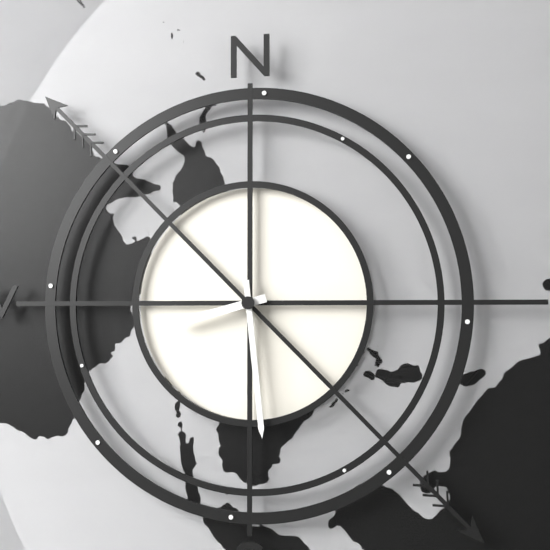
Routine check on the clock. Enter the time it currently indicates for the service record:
8:29
